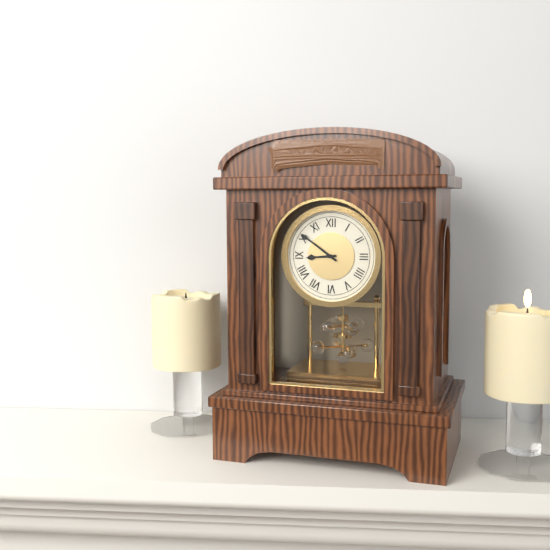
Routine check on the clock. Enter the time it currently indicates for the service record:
8:51
